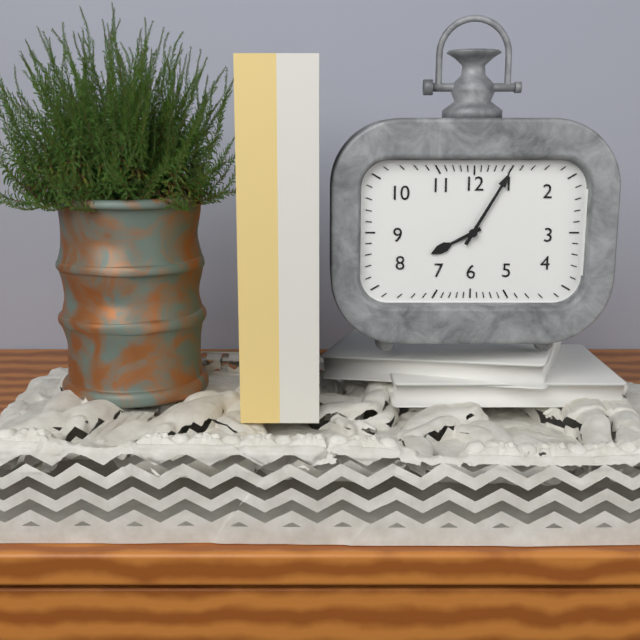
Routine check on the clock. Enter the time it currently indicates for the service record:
8:05
